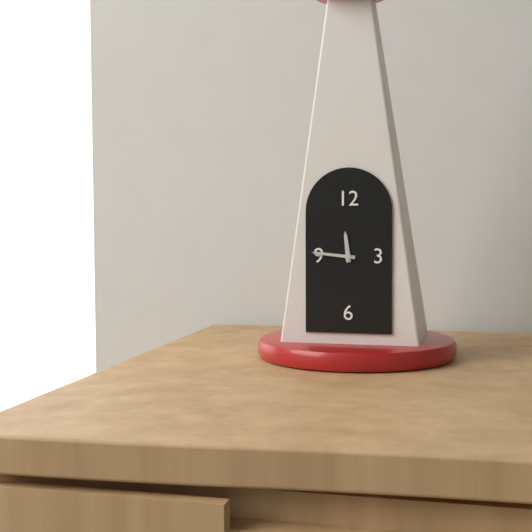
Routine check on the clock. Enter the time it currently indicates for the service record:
11:46
